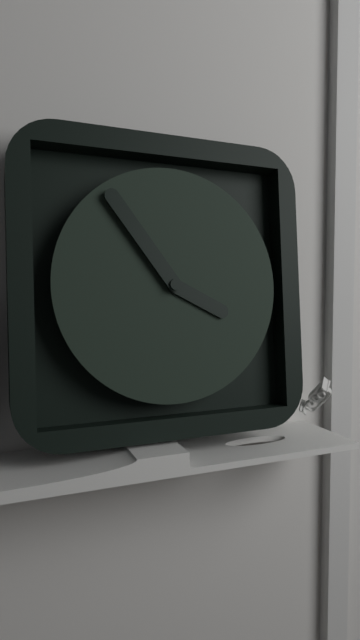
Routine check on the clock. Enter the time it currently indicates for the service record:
3:54
